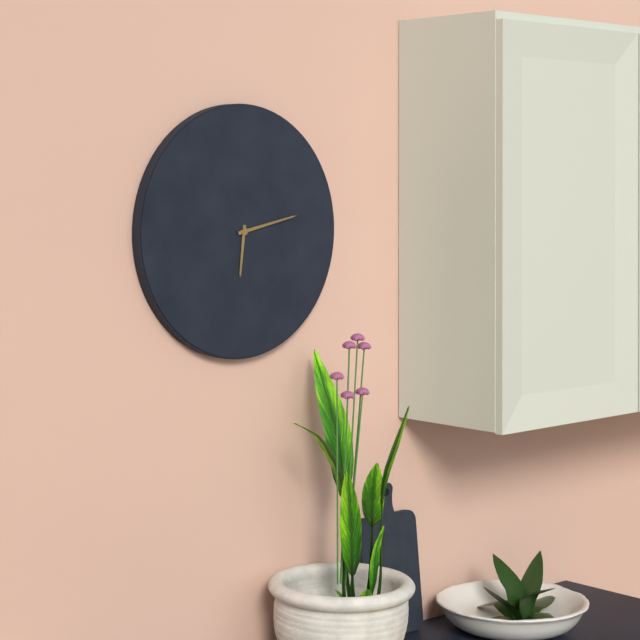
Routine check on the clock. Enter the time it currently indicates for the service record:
6:13
